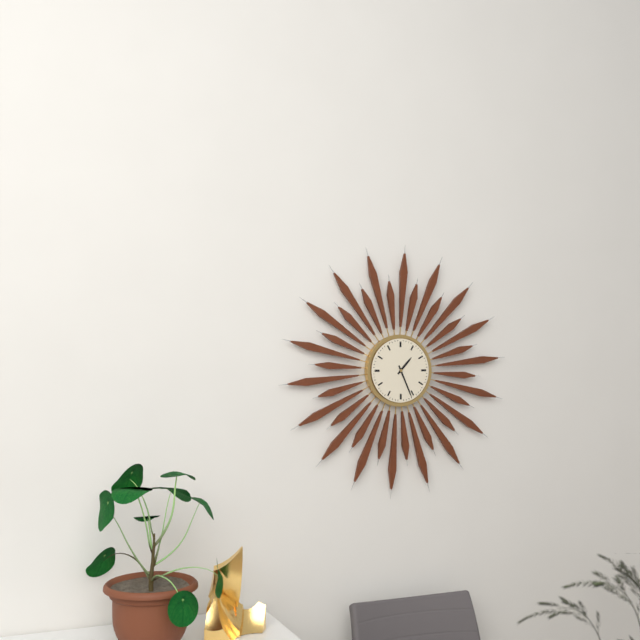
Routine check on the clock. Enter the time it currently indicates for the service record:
1:26
